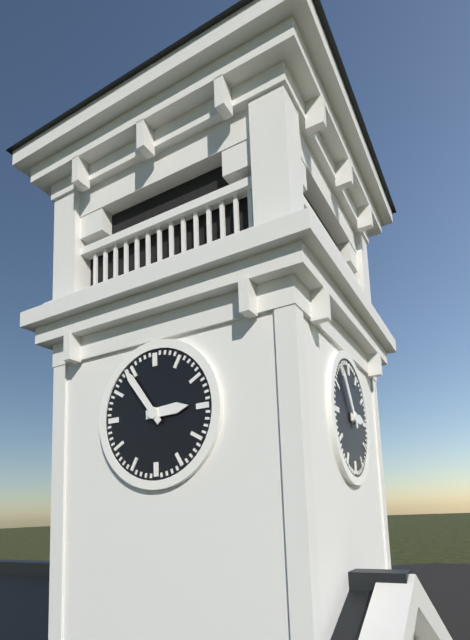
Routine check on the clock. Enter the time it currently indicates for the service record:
2:54
